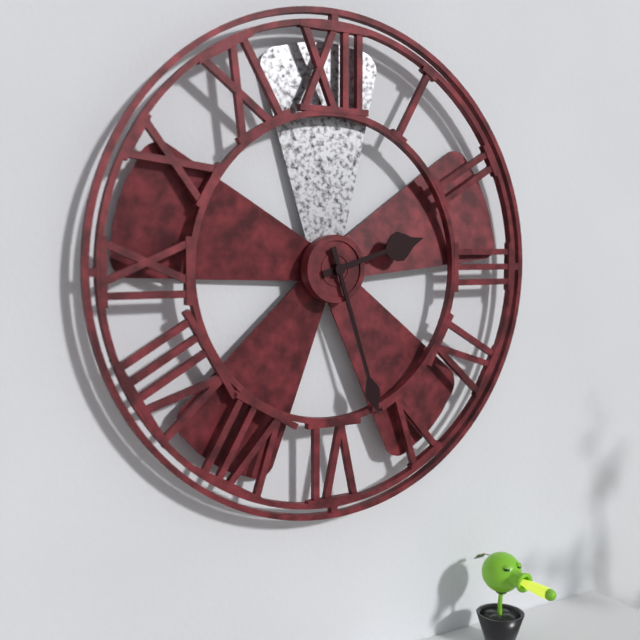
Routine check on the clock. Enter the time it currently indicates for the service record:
2:27
